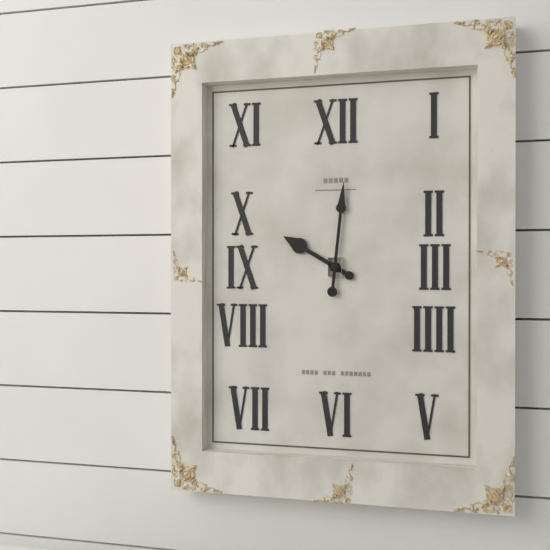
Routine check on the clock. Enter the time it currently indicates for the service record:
10:01
